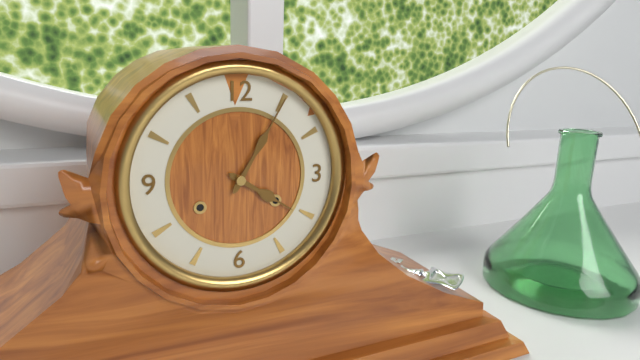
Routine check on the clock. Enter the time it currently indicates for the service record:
4:05
